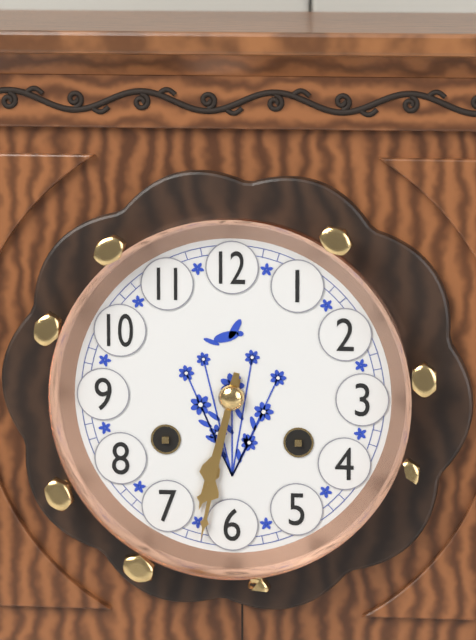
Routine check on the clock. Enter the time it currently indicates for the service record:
6:32
